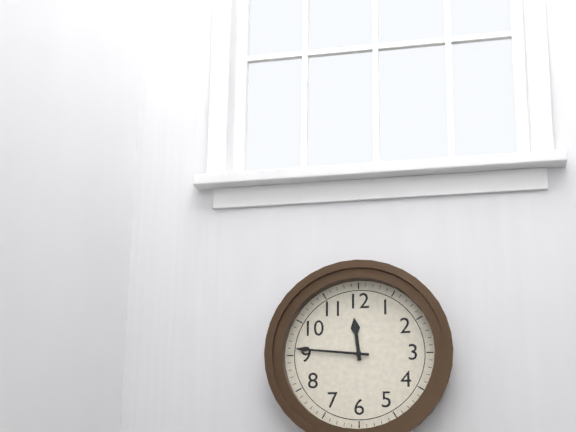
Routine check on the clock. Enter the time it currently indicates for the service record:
11:46
